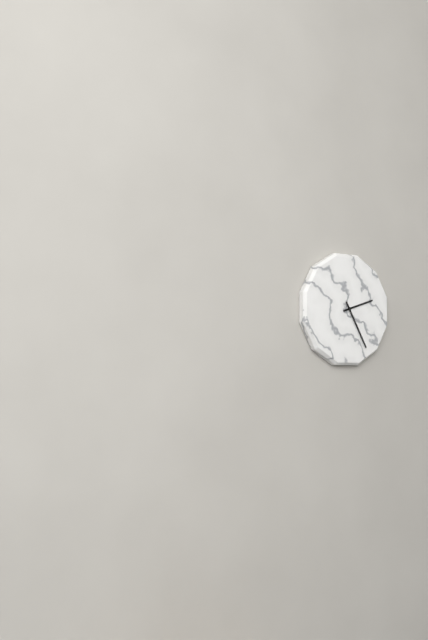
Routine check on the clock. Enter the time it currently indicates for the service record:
2:25
